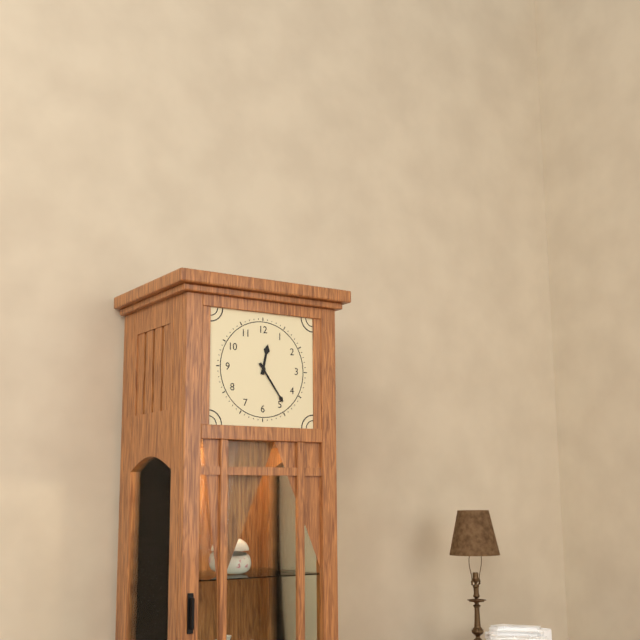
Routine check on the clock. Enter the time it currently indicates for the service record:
12:24
